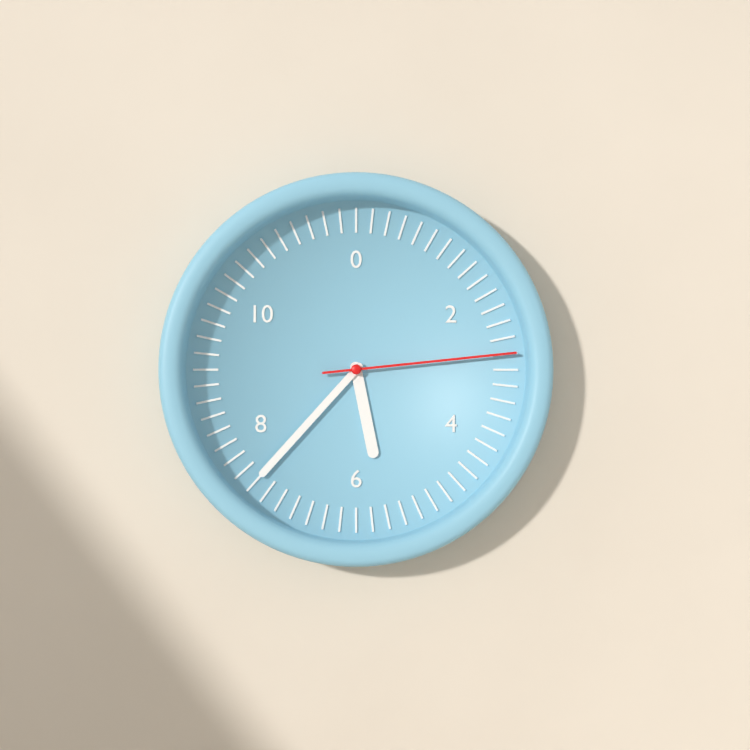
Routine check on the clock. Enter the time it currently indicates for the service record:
5:37:14
